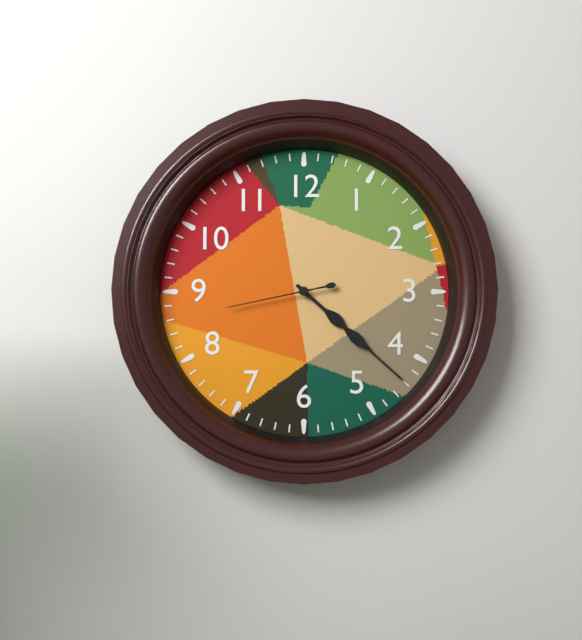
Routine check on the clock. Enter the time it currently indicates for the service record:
4:22:43
